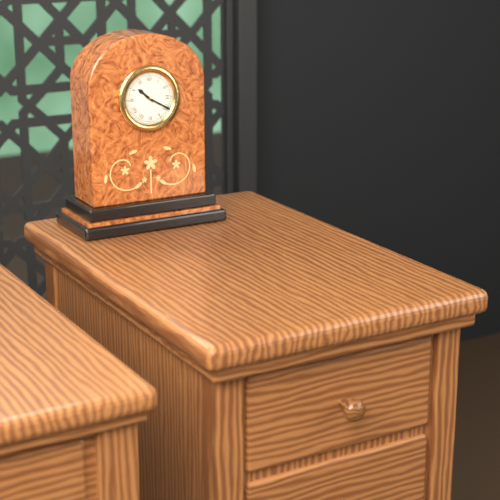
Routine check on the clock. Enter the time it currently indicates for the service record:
10:20
